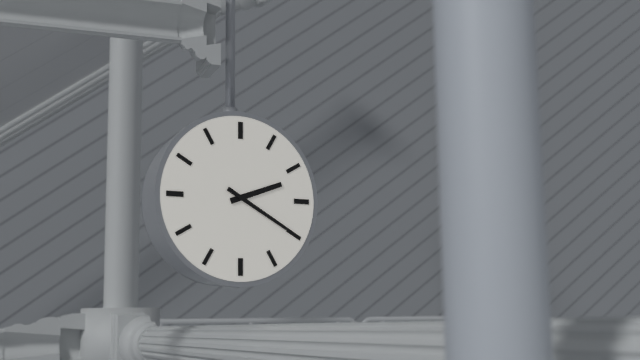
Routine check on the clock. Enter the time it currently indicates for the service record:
2:20
